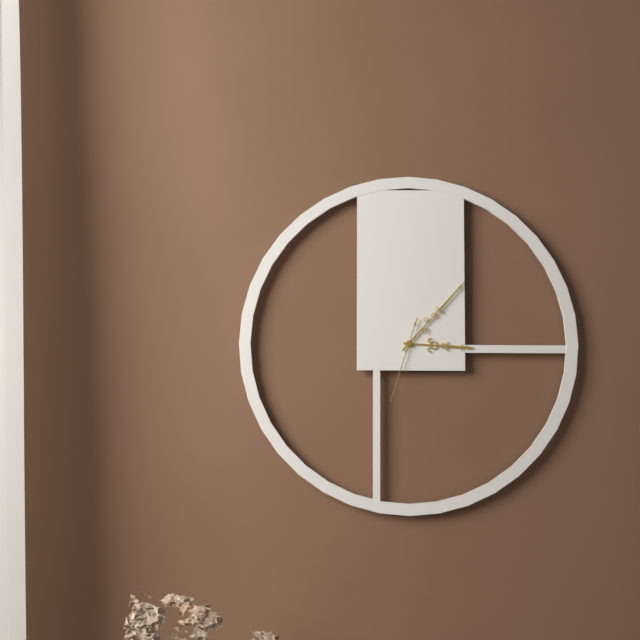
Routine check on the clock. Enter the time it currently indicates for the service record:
3:07:33
